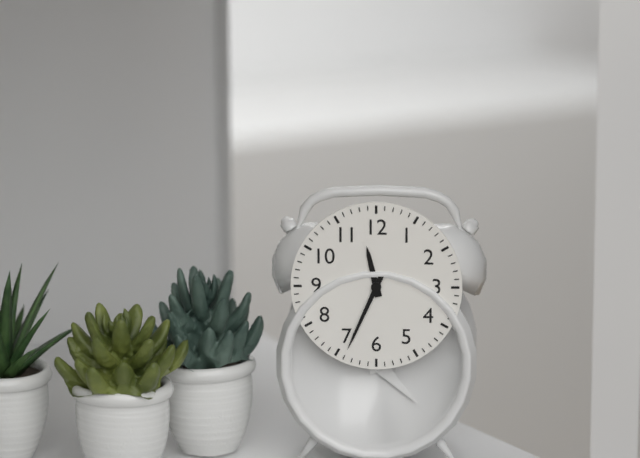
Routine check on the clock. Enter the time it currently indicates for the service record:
11:34
